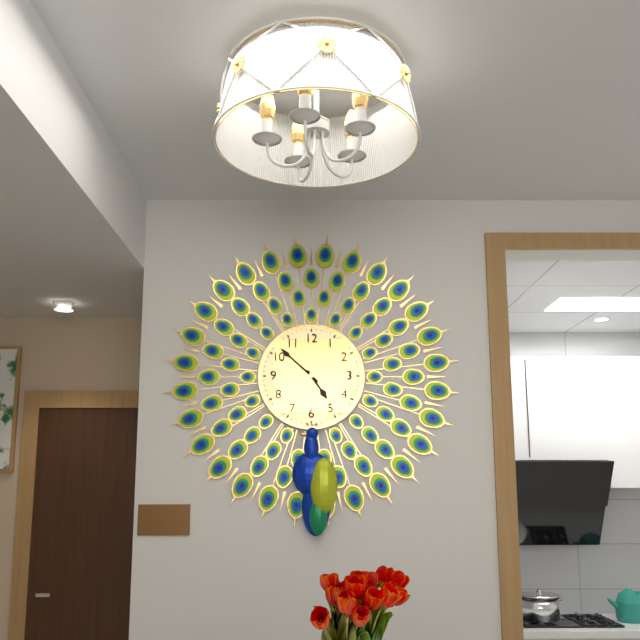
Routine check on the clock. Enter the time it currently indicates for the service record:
4:52
